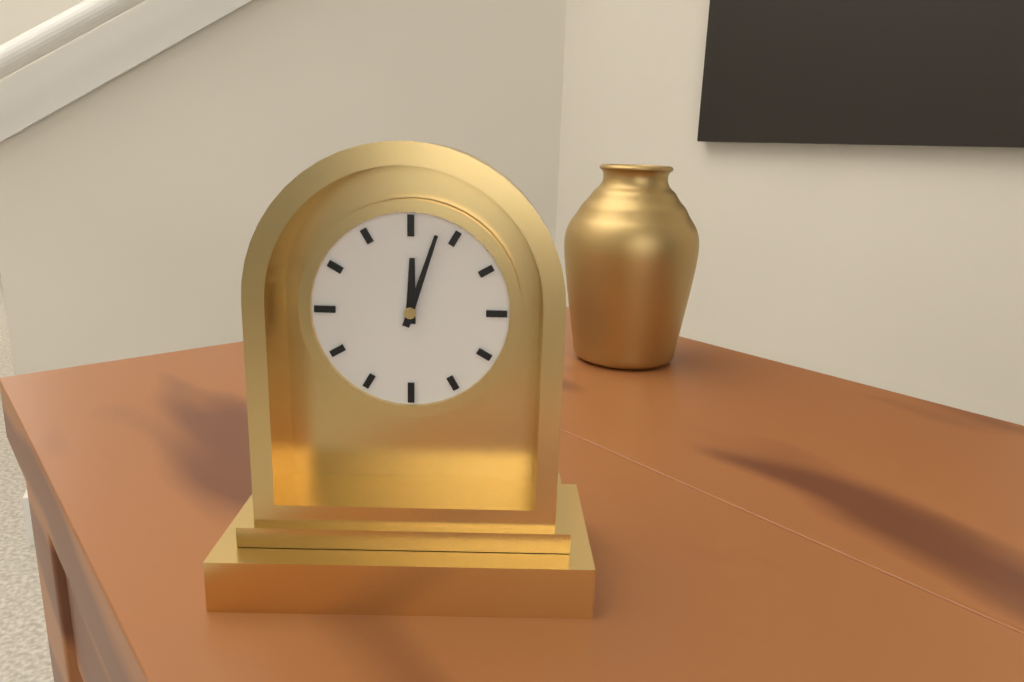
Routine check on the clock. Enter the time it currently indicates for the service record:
12:03
